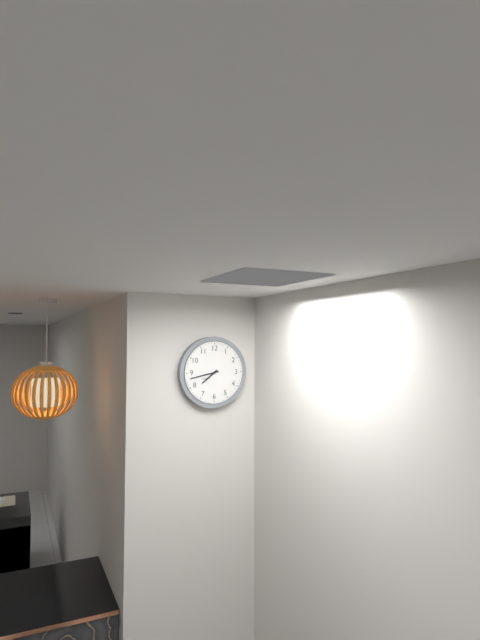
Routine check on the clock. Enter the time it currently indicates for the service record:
7:43
